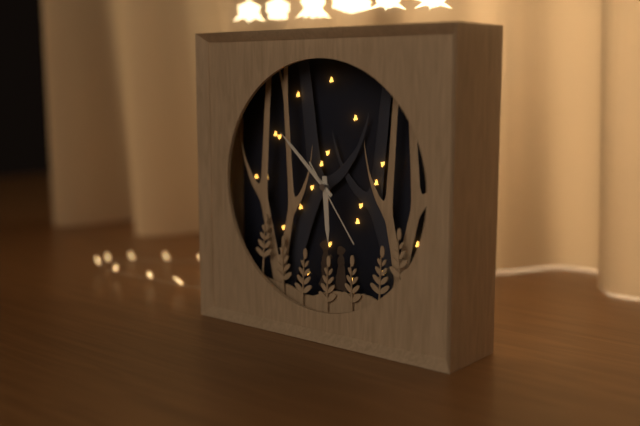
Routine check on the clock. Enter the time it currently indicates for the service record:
5:52:24
